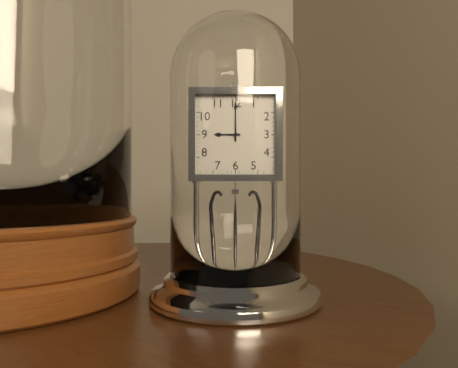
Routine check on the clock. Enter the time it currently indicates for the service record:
9:00
